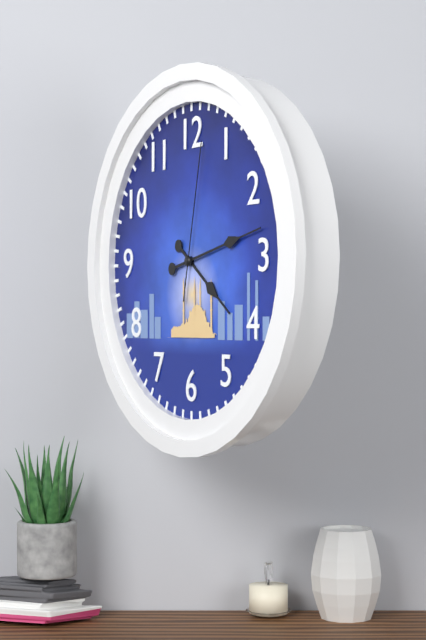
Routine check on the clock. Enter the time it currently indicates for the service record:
4:13:02
